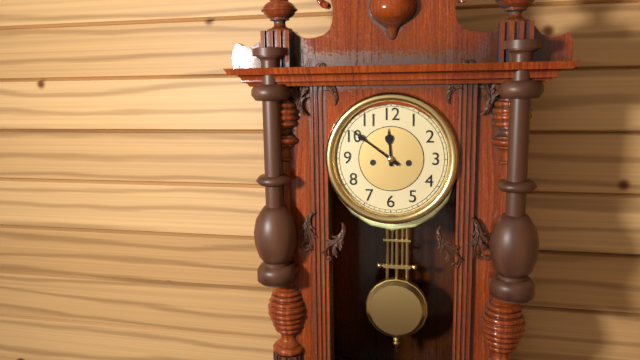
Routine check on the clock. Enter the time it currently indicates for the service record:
11:51
